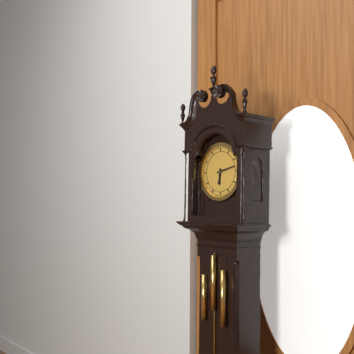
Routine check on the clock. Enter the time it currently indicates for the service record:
6:13
